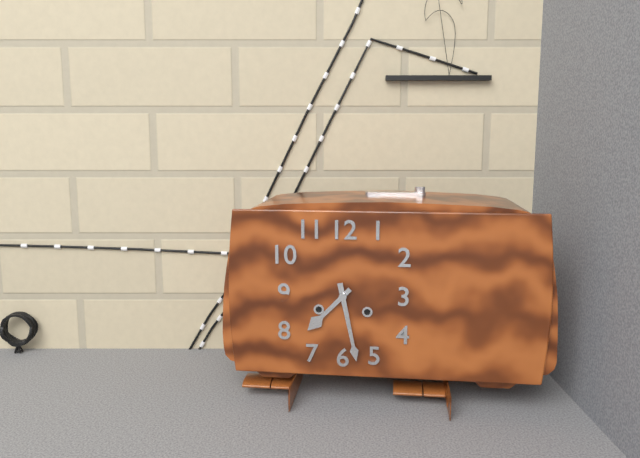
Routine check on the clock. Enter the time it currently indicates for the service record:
7:28
